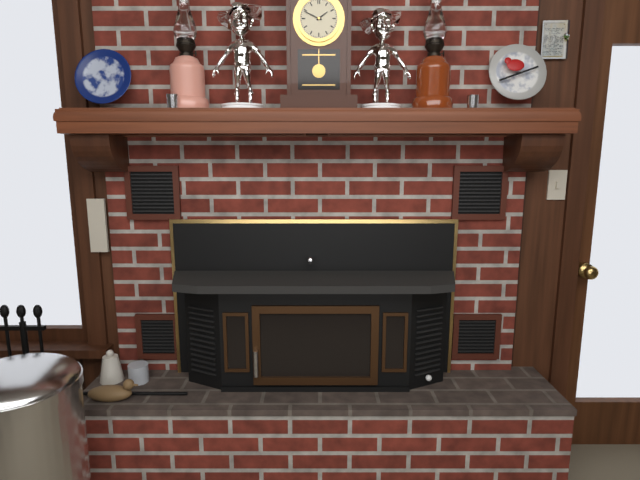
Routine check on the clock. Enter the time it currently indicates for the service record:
1:49
